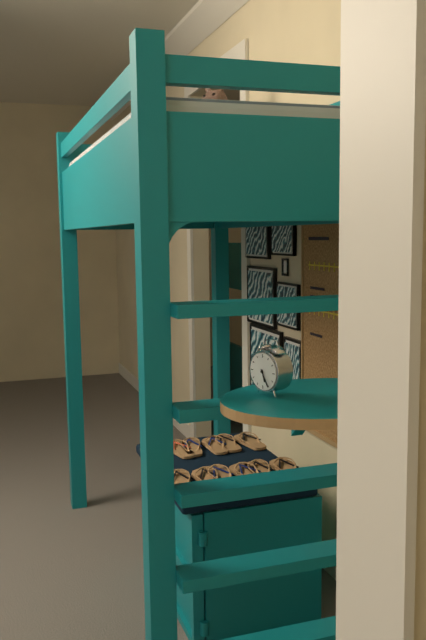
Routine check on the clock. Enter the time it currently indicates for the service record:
5:25
